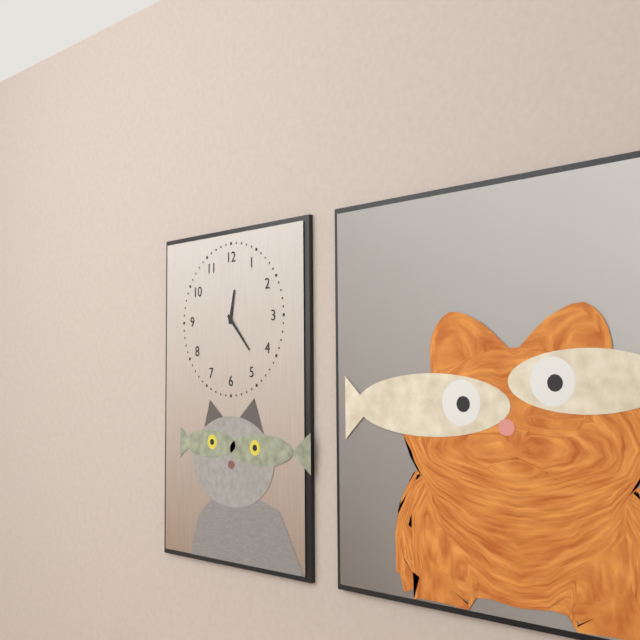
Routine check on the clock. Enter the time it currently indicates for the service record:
12:23
